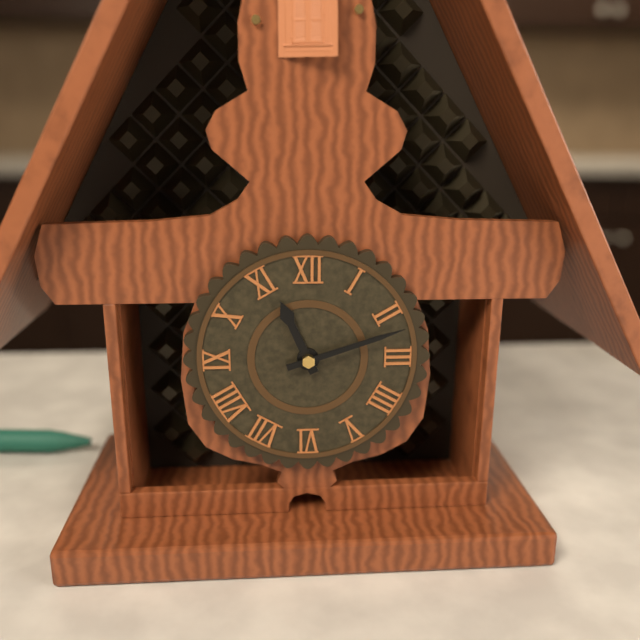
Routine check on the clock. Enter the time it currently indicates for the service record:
11:12
